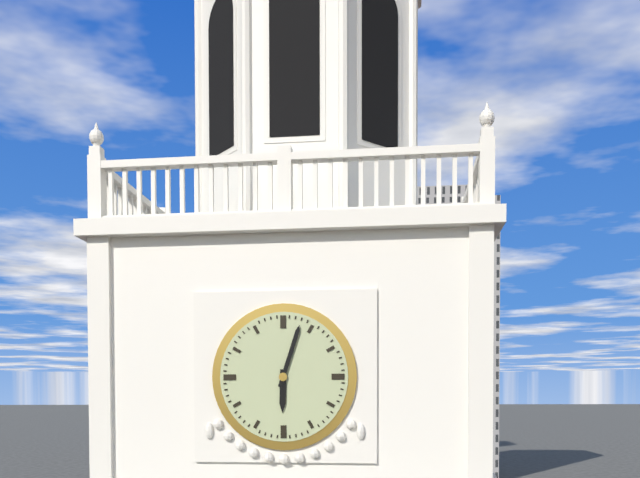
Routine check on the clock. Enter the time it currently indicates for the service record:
6:03
